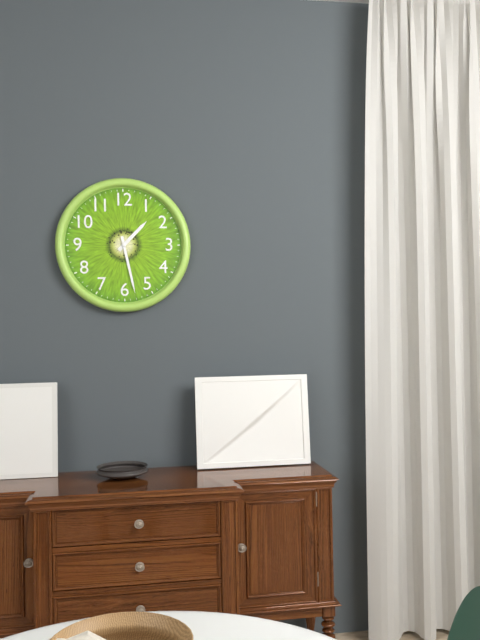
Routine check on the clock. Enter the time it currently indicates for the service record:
1:28
